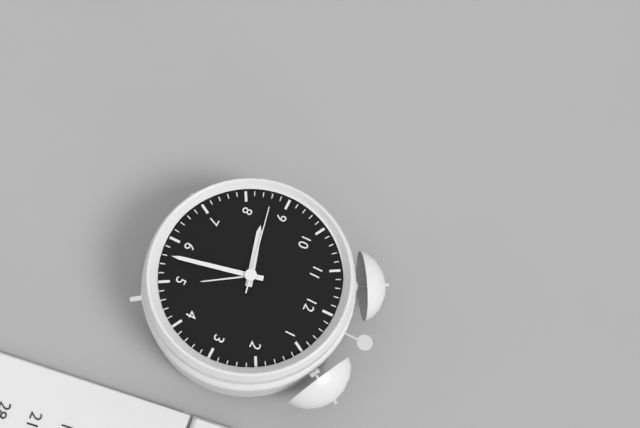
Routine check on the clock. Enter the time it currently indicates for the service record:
8:28:43
